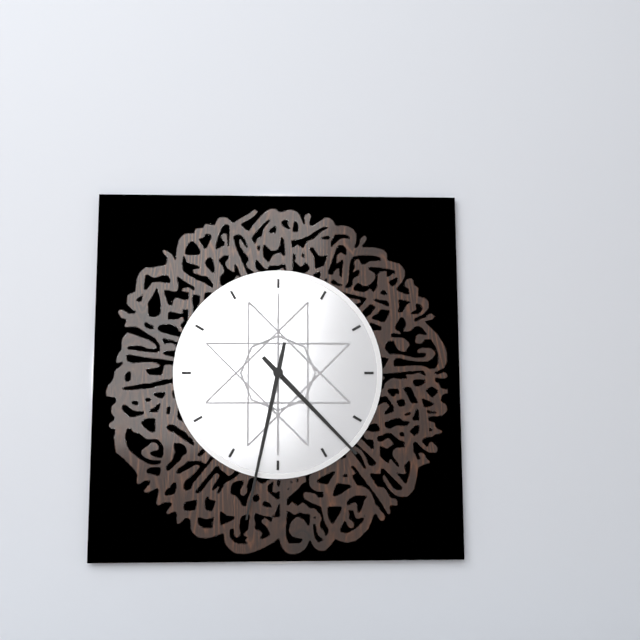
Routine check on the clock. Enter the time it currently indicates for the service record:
4:32
